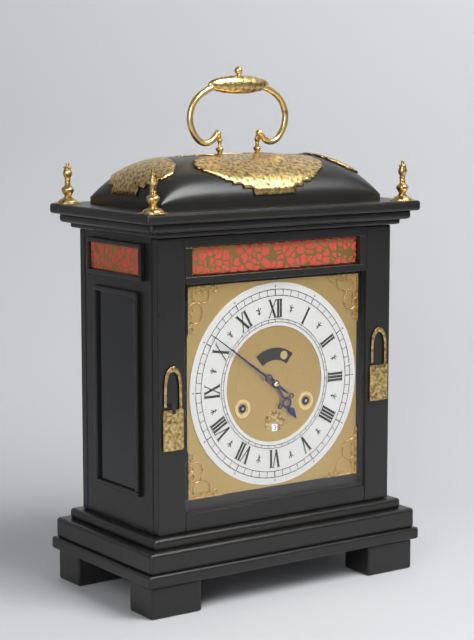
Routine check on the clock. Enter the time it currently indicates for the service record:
4:51
